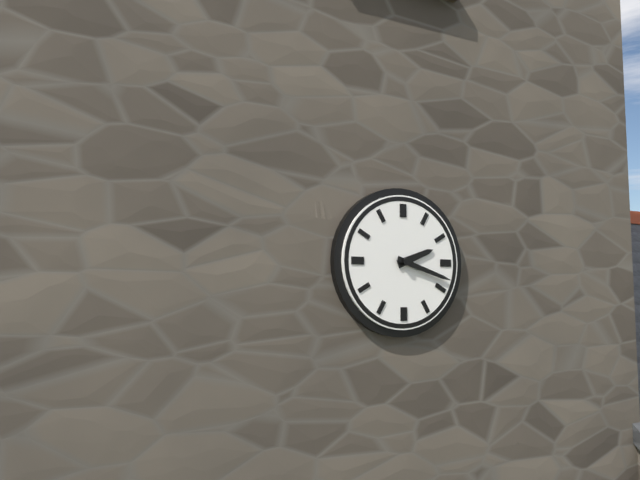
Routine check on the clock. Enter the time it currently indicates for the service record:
2:18
